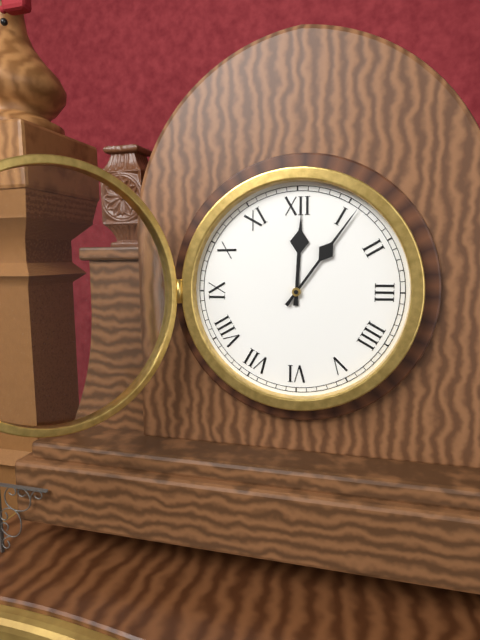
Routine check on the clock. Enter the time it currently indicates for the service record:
12:06
